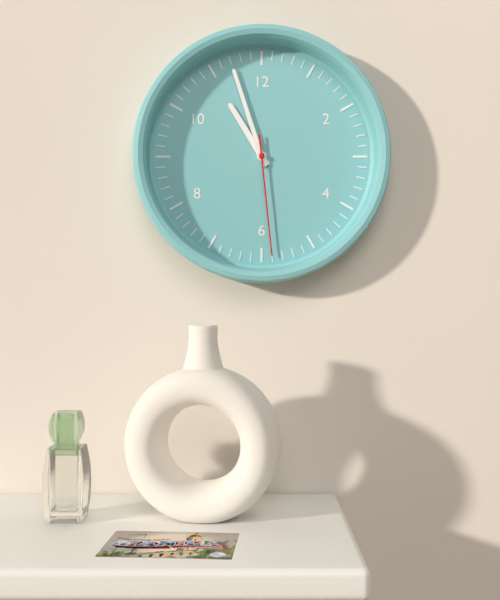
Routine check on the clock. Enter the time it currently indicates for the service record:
10:57:29
